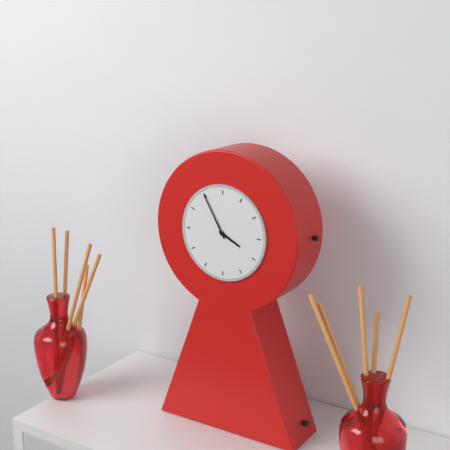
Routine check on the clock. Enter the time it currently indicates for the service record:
3:55
